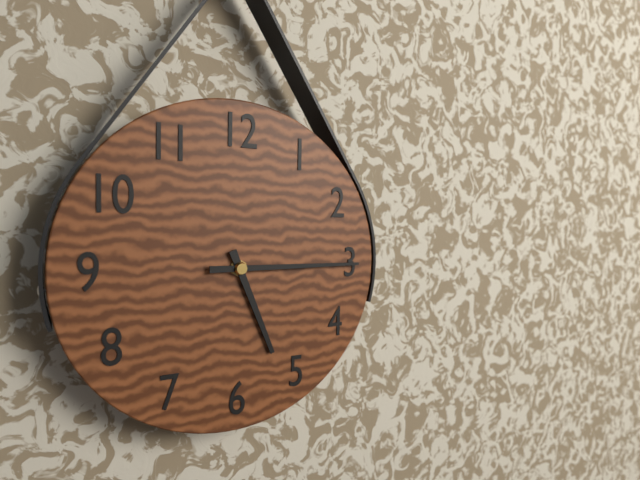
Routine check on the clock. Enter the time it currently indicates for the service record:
5:15
